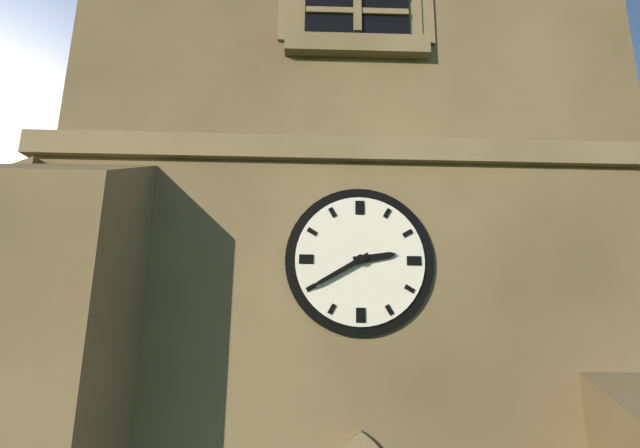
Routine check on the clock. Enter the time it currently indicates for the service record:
2:40
